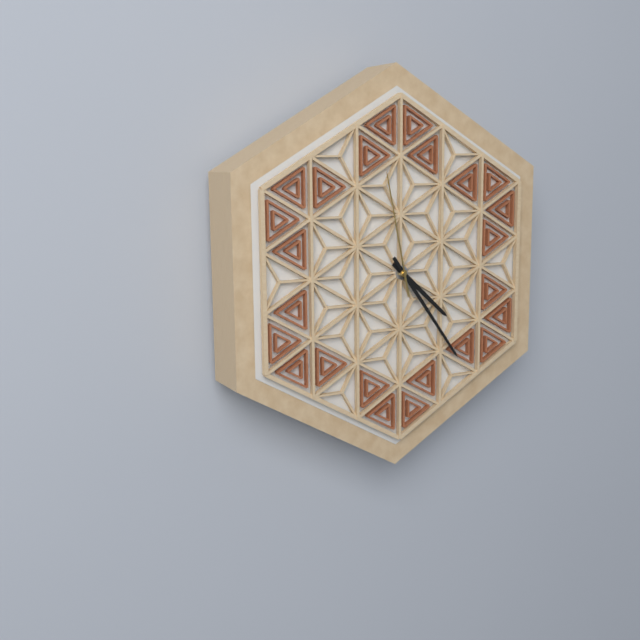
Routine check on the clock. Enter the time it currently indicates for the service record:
4:24:58
